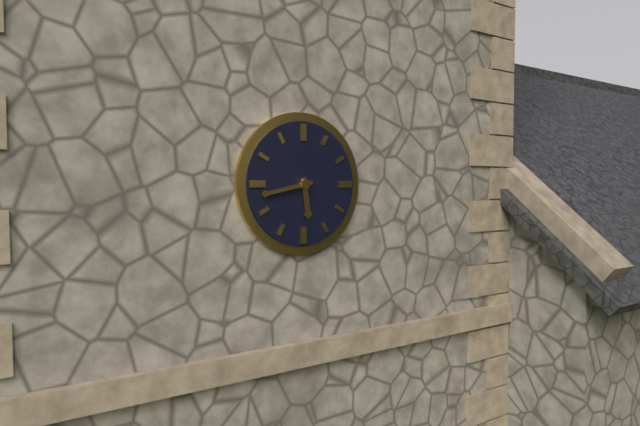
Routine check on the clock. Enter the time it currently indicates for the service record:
5:43
